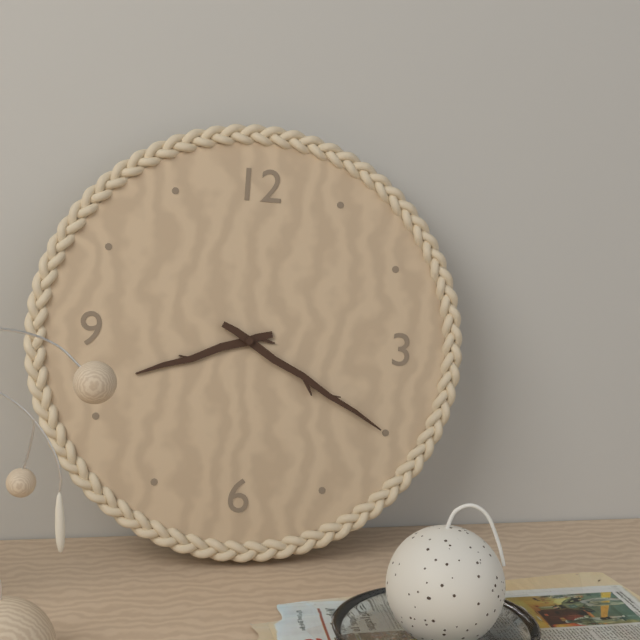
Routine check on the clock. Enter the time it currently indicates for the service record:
8:20
